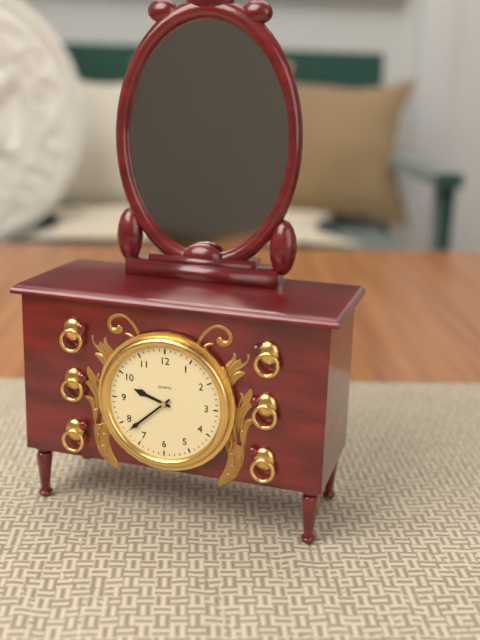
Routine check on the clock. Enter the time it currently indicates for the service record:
9:38
